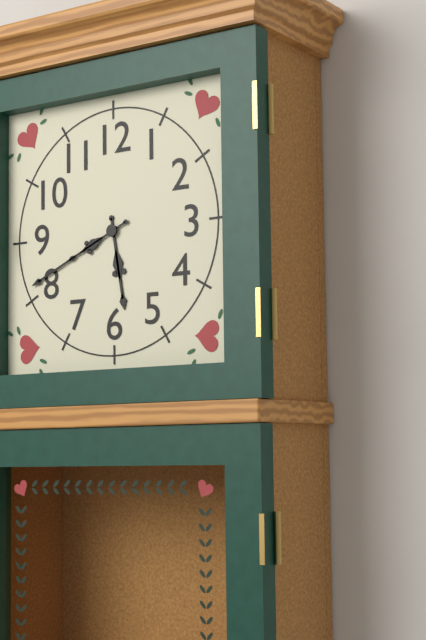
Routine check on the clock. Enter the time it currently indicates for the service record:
5:41
